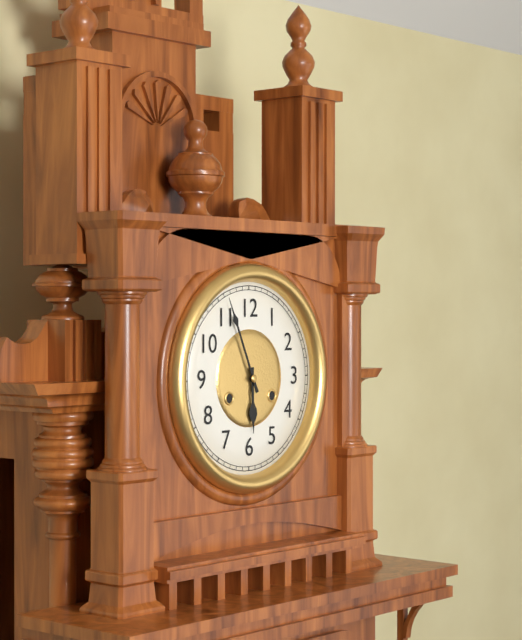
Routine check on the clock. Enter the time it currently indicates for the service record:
5:56
